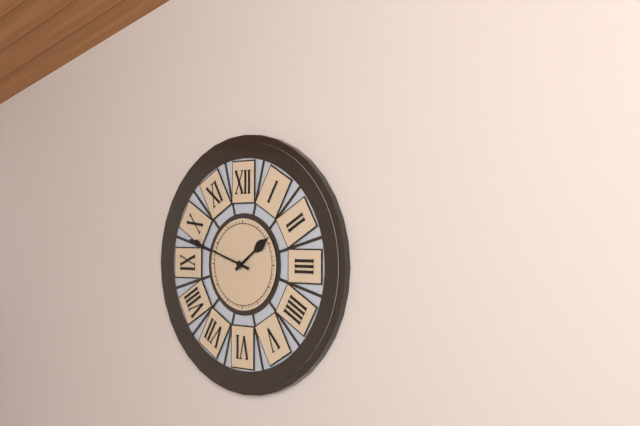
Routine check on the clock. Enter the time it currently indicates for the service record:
1:48
